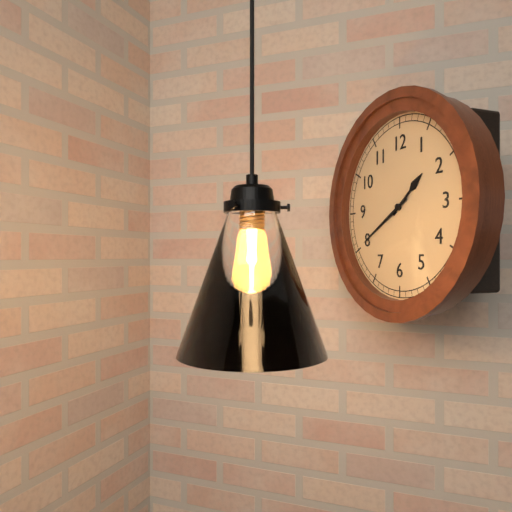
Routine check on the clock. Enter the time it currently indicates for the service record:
1:40
